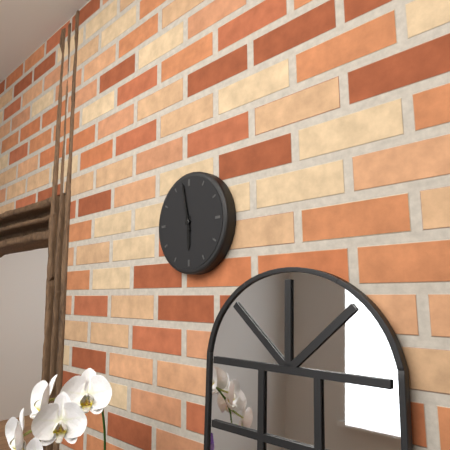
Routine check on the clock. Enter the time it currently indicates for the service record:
5:58
